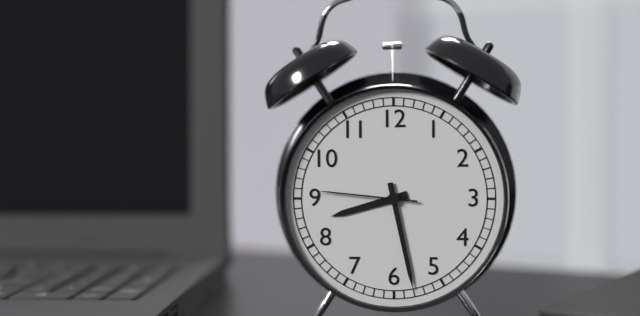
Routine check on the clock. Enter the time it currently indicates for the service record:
8:28:46
